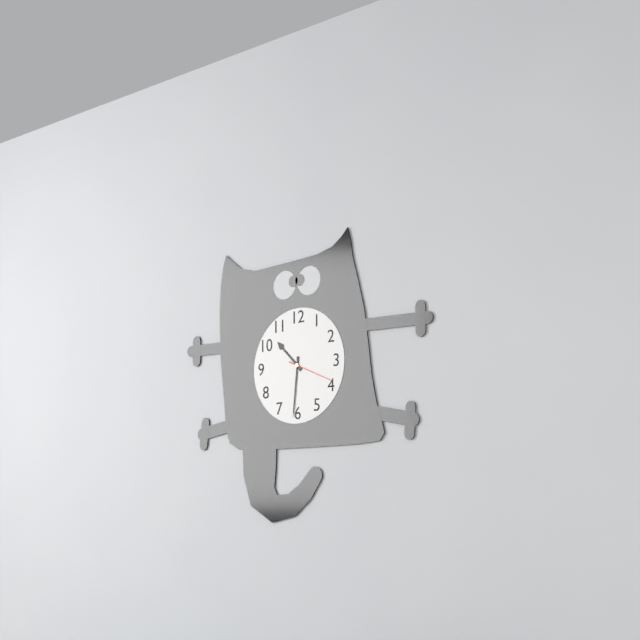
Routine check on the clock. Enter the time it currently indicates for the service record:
10:31
